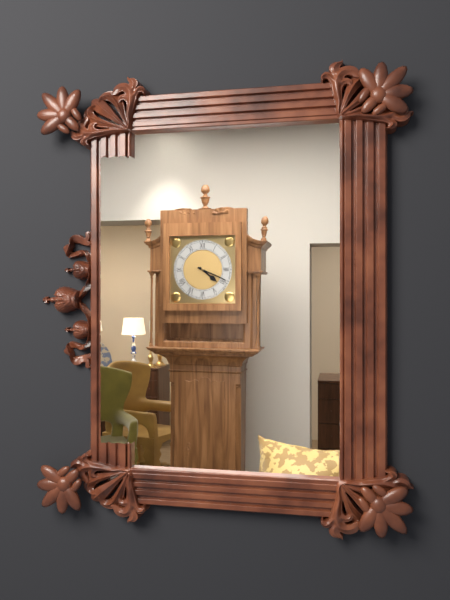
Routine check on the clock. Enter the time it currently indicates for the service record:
4:19
